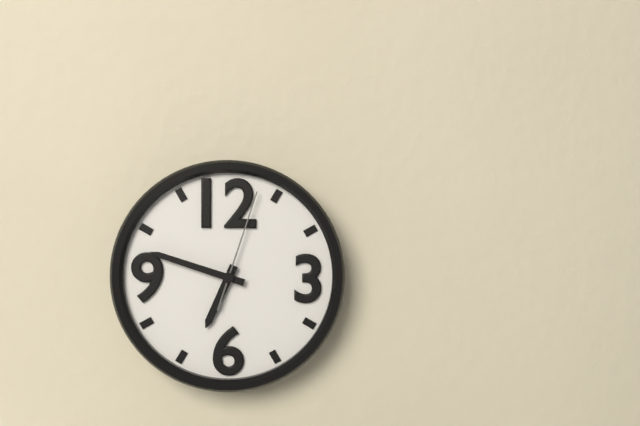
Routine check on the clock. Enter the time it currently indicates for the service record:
6:48:03
